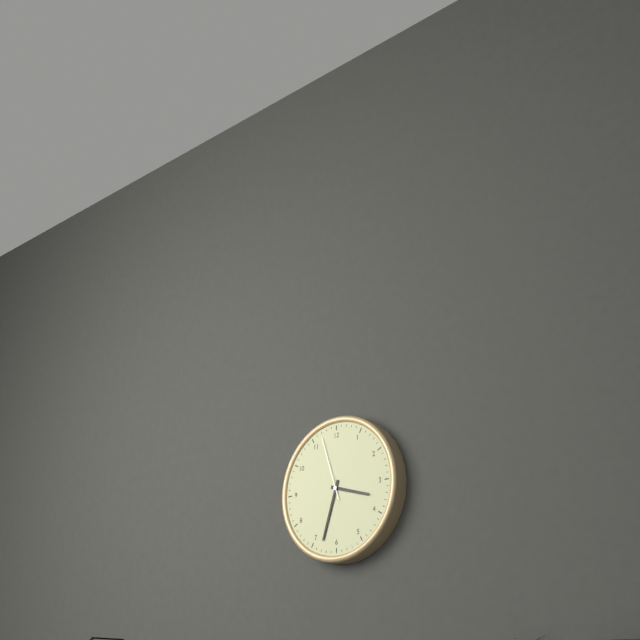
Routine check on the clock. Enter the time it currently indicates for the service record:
3:33:57
